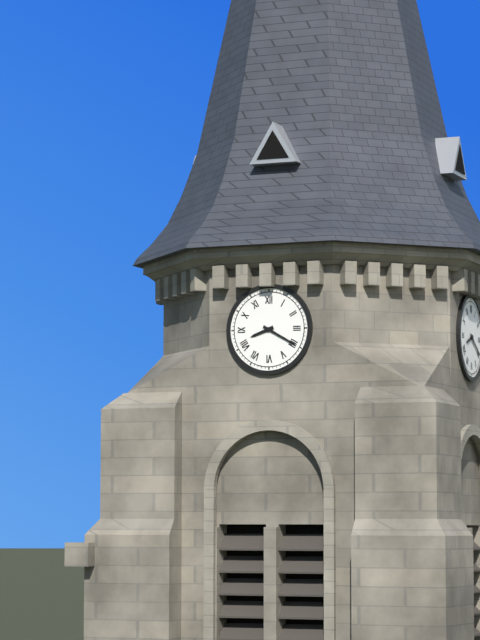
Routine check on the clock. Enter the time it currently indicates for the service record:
8:20
